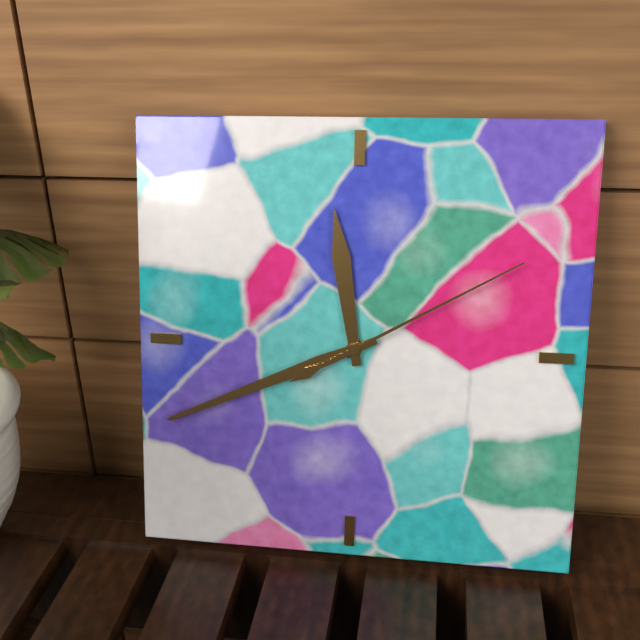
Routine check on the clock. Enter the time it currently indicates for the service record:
11:41:10
